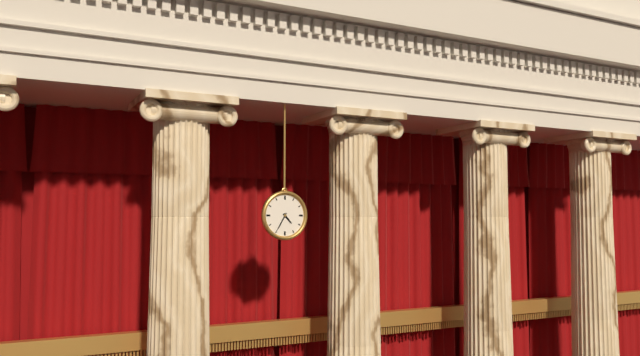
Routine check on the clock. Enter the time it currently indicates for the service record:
4:35
